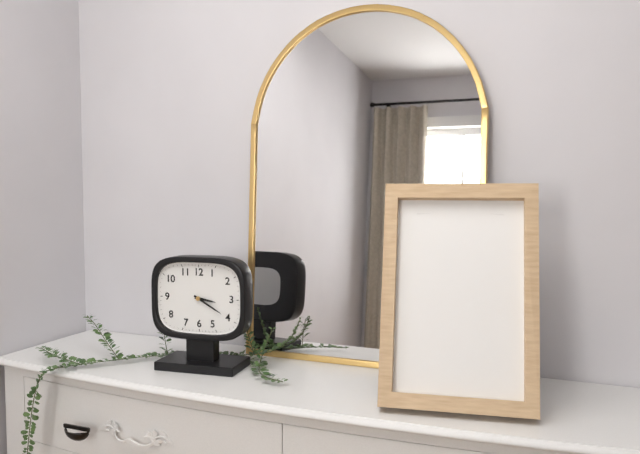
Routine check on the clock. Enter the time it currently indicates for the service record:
3:20
